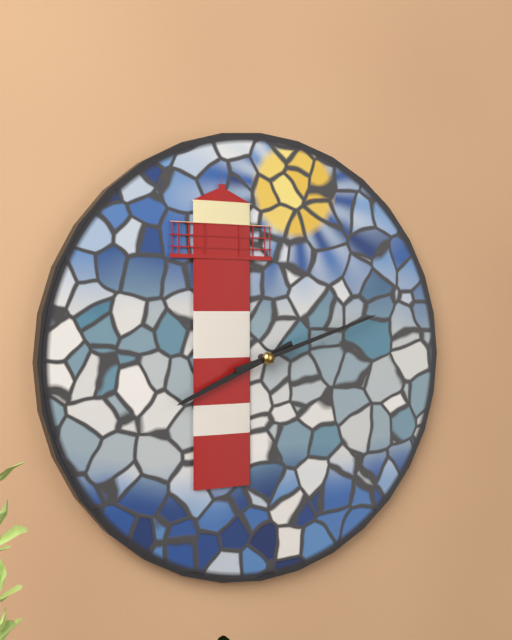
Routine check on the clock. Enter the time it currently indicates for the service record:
8:12
